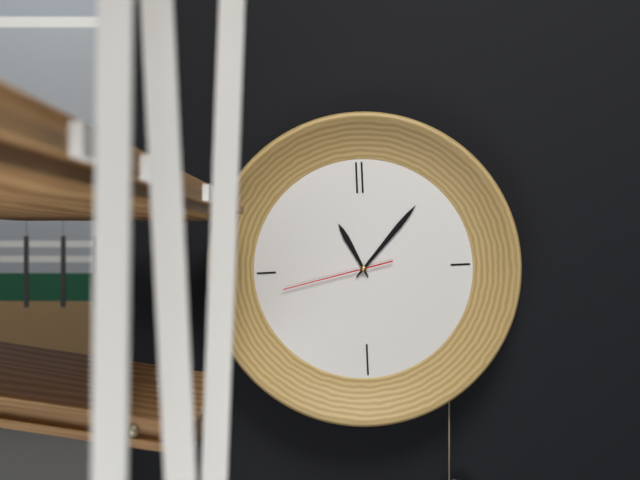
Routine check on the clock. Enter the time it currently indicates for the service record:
11:07:43
